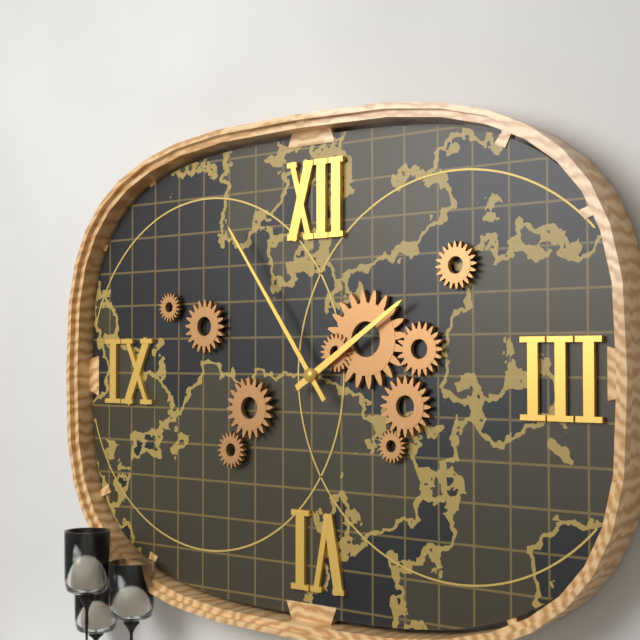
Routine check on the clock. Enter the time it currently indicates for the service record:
1:54
